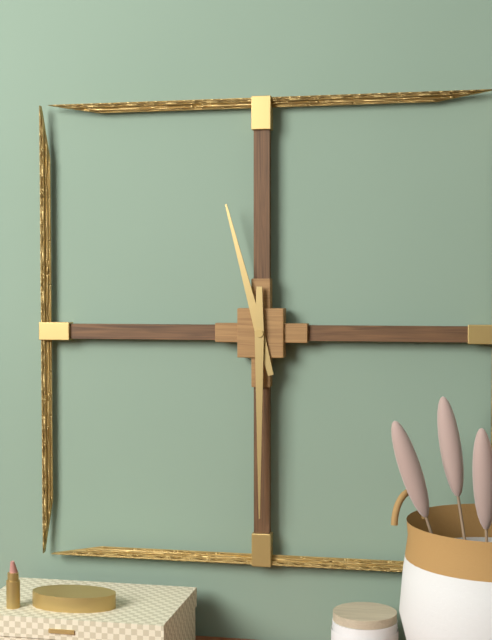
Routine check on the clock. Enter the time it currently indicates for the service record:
11:30
